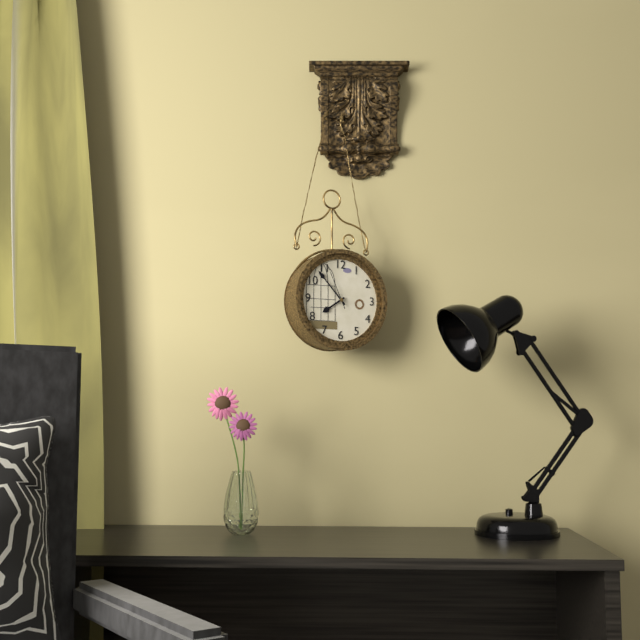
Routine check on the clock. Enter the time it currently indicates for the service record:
7:53:56
